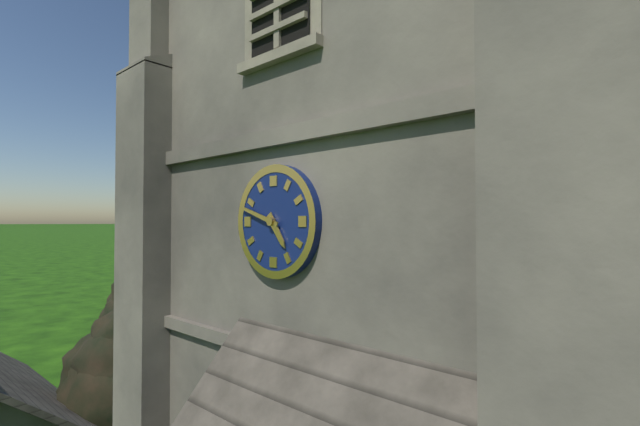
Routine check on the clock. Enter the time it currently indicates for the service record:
4:48
